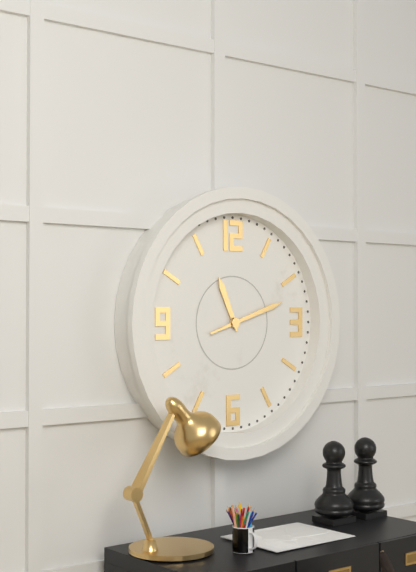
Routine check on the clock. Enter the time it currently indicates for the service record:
11:12
